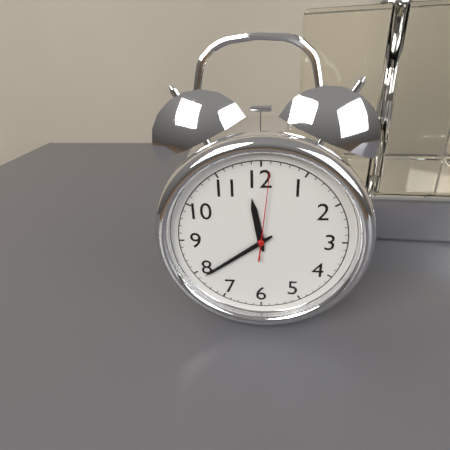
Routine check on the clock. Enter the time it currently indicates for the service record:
11:39:01
